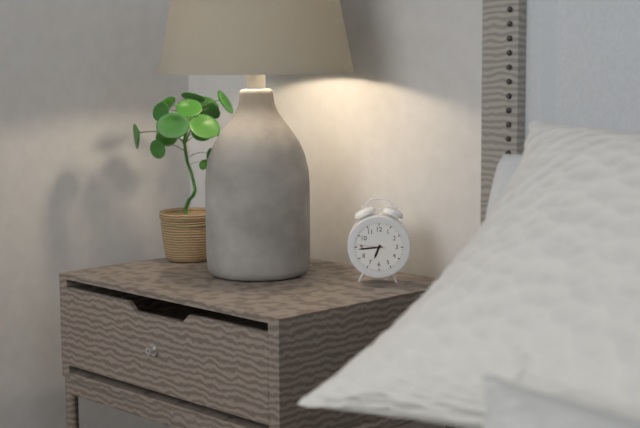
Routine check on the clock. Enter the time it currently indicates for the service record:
6:44
